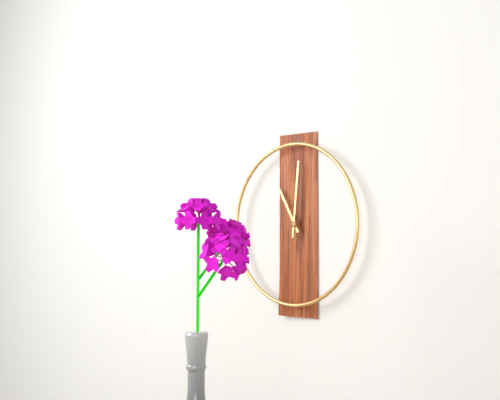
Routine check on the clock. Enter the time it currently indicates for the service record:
11:01
